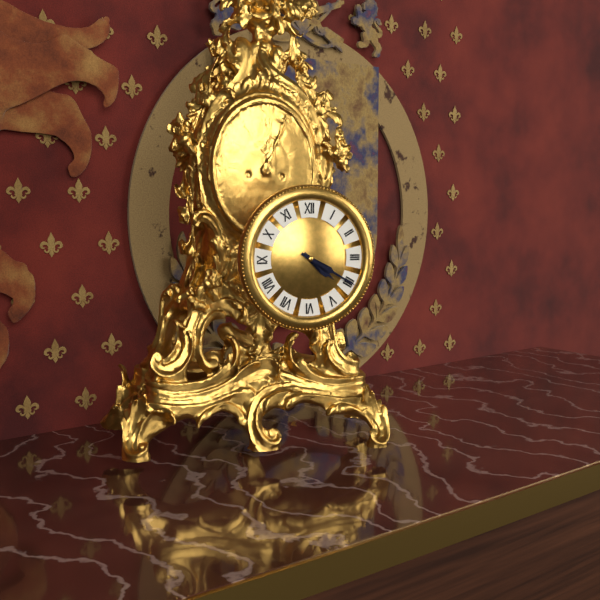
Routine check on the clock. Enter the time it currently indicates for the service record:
4:20
